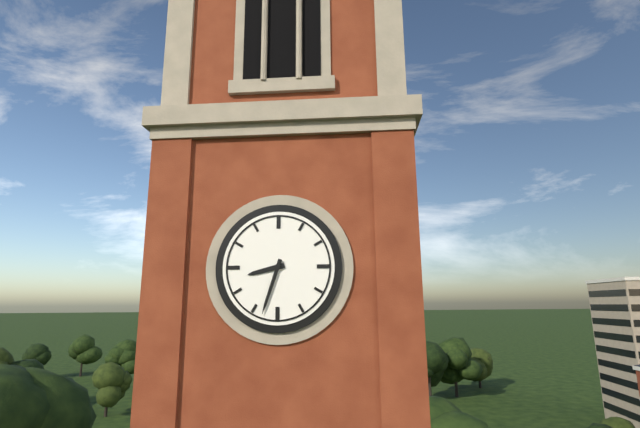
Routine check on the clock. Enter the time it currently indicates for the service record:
8:33
